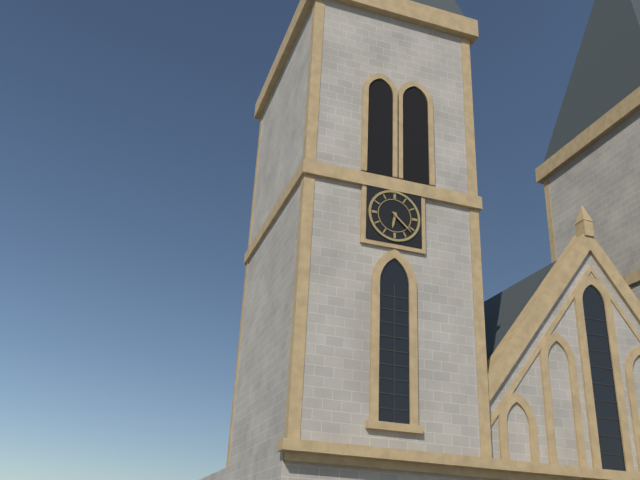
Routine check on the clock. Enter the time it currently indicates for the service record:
6:22
